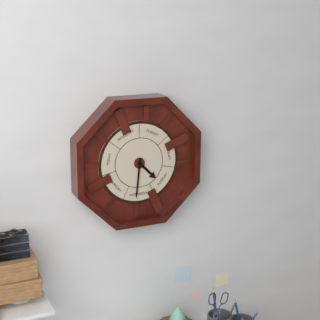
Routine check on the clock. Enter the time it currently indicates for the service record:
4:31
